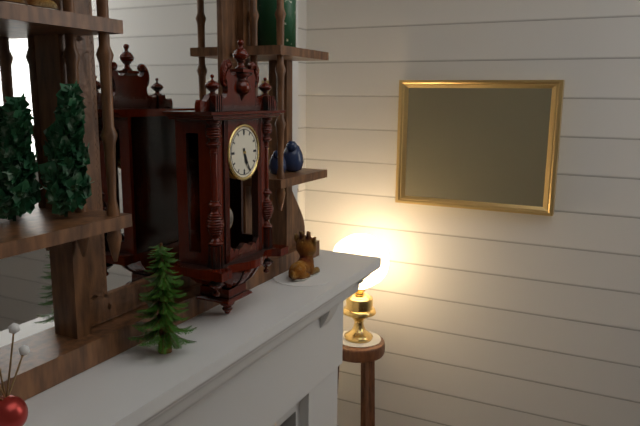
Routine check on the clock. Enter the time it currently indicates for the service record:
5:26
